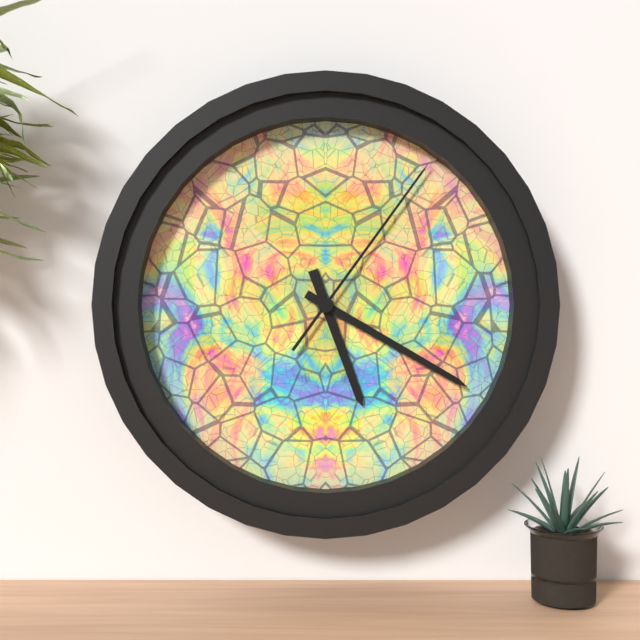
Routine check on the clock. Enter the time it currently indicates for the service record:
5:20:06
